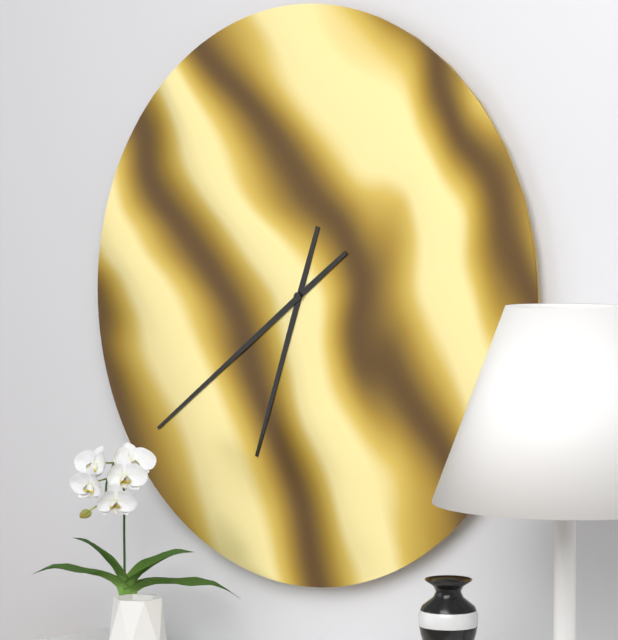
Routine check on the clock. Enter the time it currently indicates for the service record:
6:39
